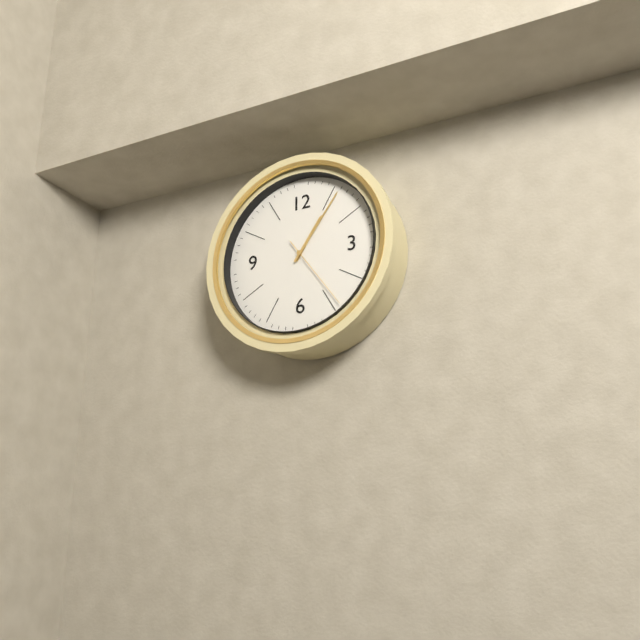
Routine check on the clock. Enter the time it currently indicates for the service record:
1:06:24
